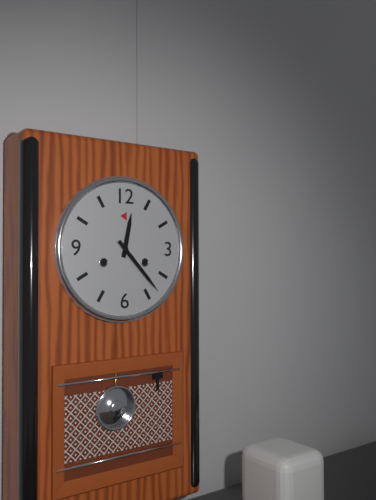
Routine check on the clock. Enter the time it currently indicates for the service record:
12:23
